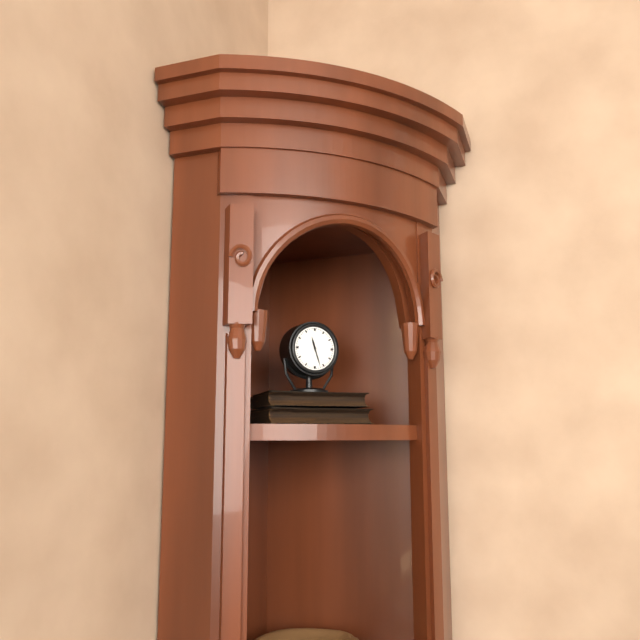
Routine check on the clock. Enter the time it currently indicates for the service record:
11:27
